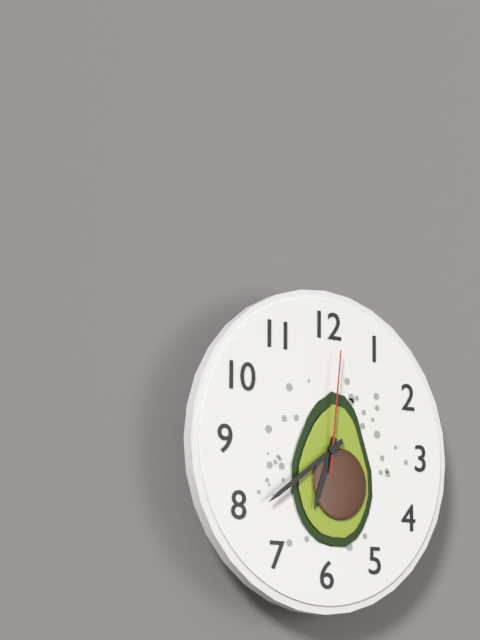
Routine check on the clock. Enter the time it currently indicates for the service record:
6:39:01
